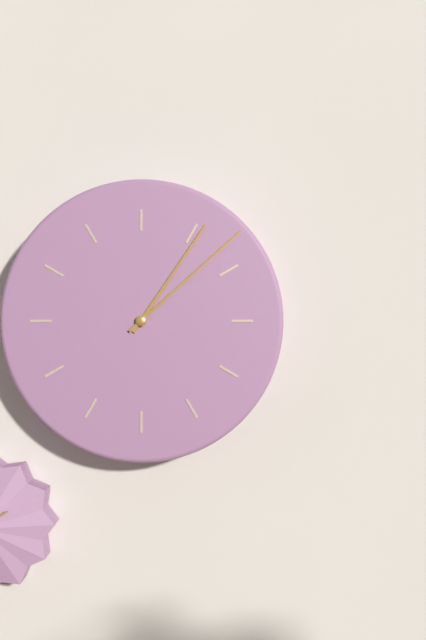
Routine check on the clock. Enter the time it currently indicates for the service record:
1:08
